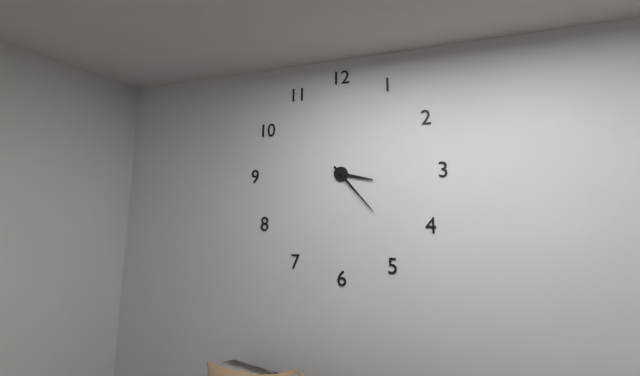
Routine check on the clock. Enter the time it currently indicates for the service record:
3:23
